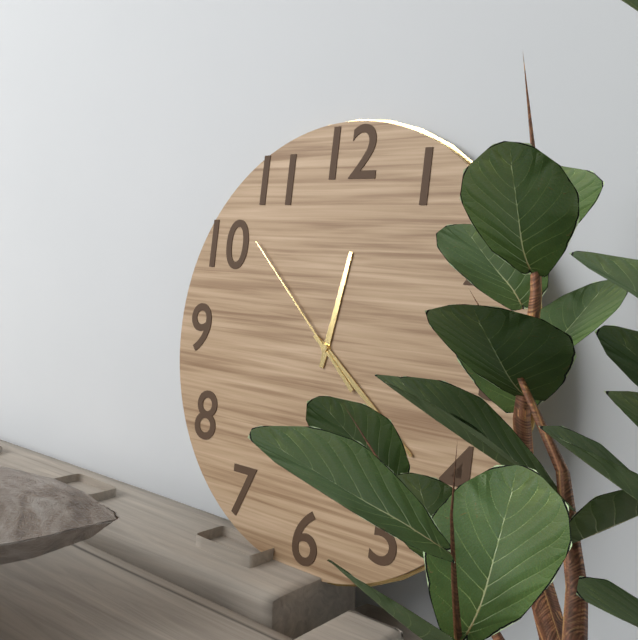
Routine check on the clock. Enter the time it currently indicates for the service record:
12:21:52
